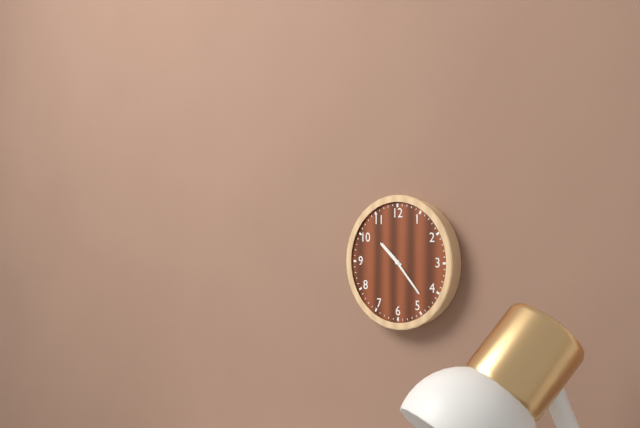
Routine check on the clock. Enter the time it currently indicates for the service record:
10:23
